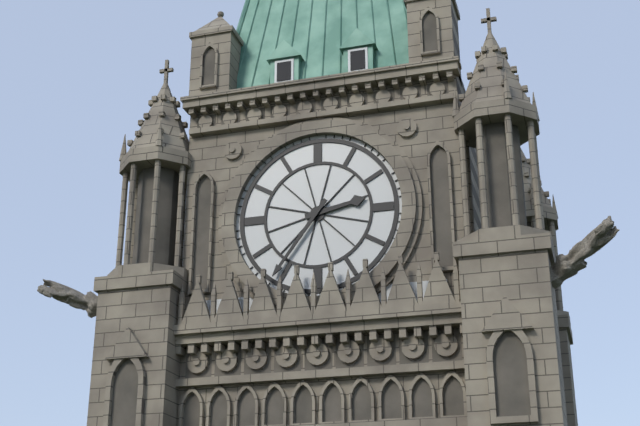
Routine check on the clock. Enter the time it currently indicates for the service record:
2:36
